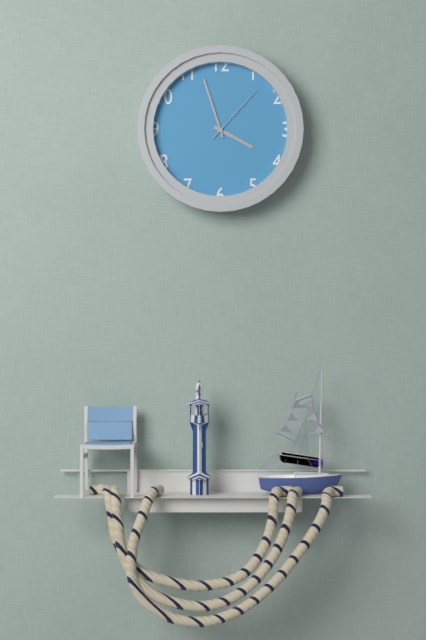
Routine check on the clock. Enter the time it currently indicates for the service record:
3:57:07
